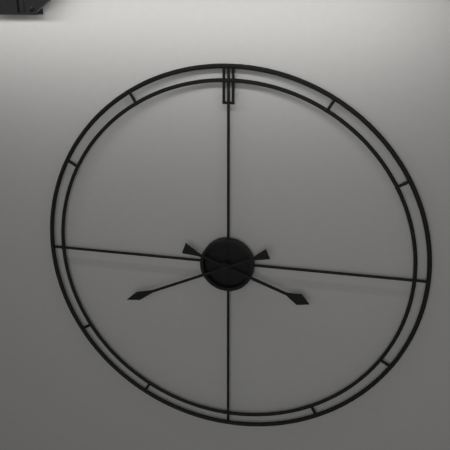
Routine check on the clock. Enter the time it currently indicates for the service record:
3:41
